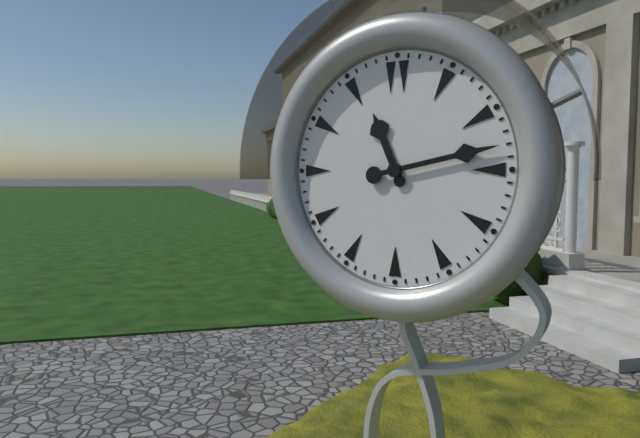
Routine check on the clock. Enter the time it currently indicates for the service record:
11:13
